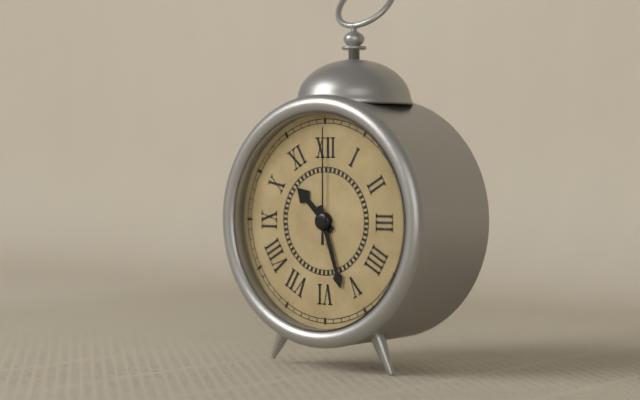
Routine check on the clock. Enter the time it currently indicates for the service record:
10:27:00
